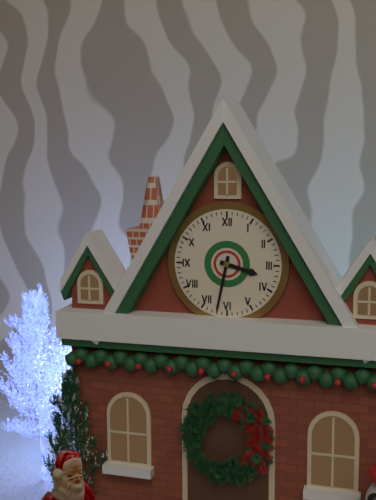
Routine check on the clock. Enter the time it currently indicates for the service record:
3:32
